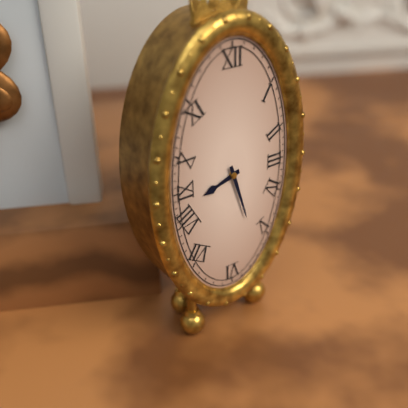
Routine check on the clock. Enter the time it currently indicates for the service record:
8:27
